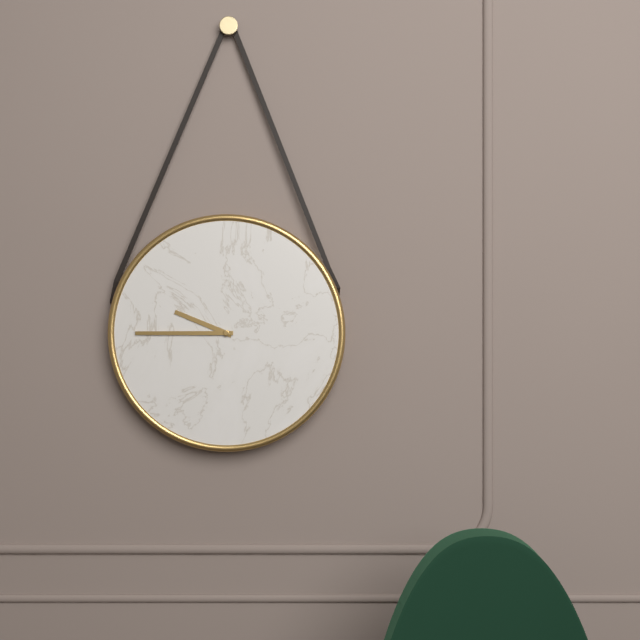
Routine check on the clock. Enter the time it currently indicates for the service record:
9:45
